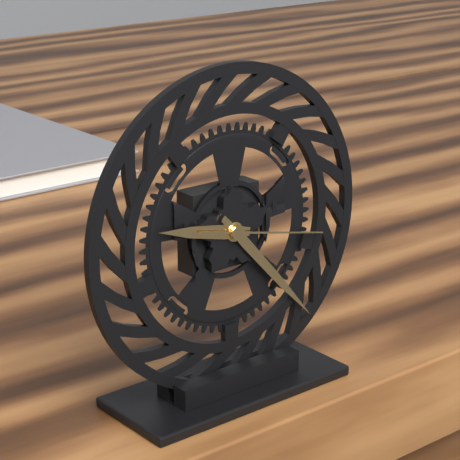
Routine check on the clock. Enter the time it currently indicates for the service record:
9:23:17
